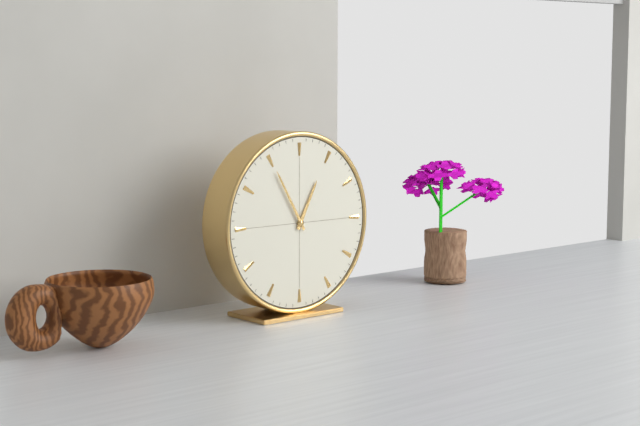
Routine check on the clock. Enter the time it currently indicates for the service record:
12:55
